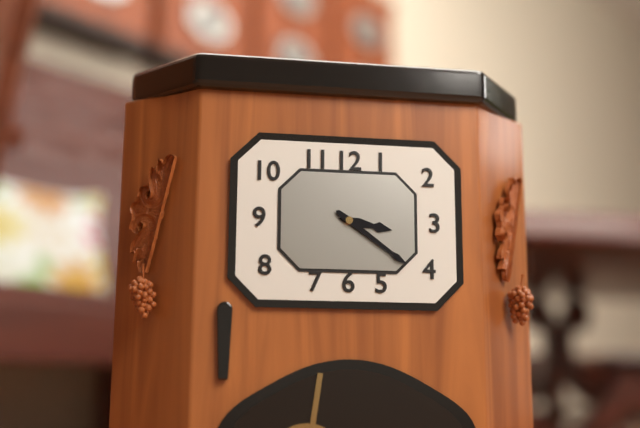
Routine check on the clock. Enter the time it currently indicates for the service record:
3:21
